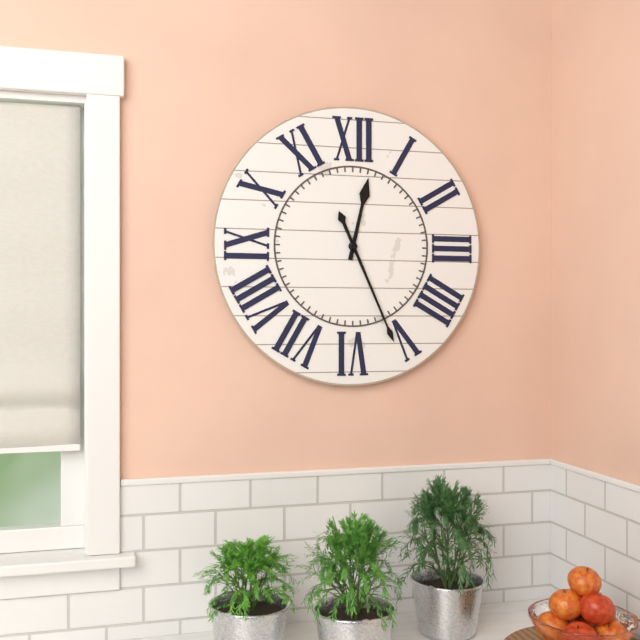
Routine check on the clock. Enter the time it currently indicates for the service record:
12:26
